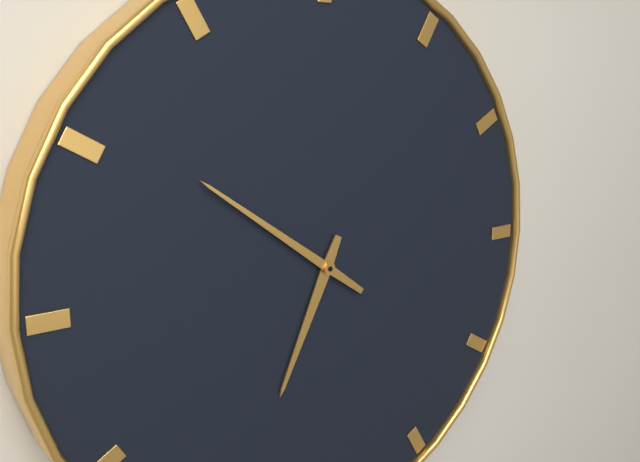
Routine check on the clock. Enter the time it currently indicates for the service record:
6:51
